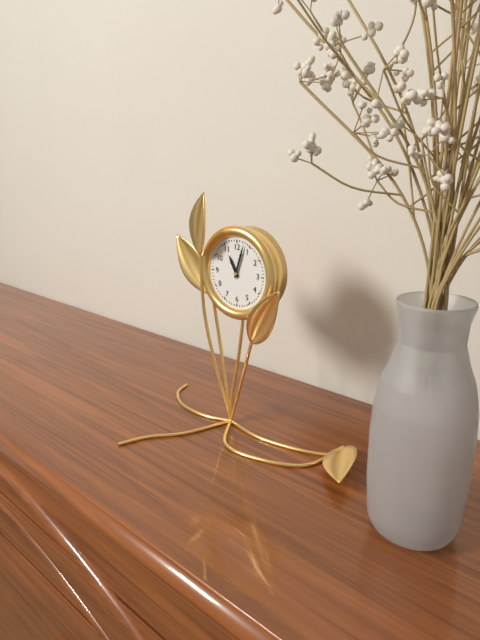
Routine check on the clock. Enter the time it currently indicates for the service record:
11:03
